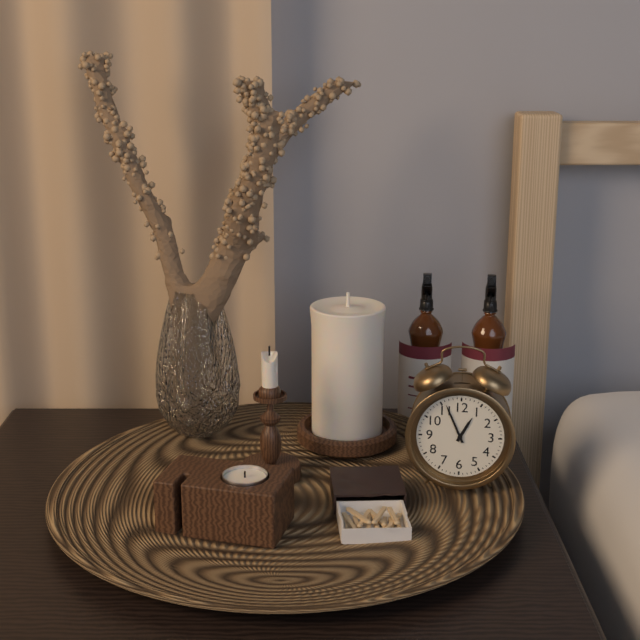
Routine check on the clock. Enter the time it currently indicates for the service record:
12:56
